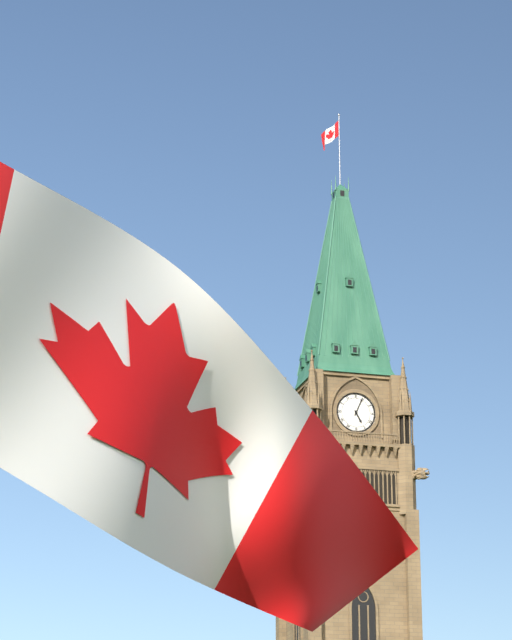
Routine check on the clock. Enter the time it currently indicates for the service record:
5:04
